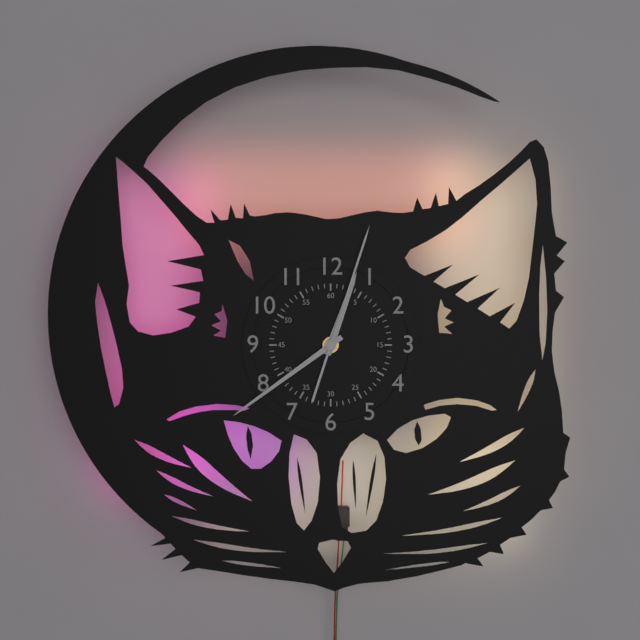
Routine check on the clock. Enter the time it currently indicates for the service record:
12:39:03
